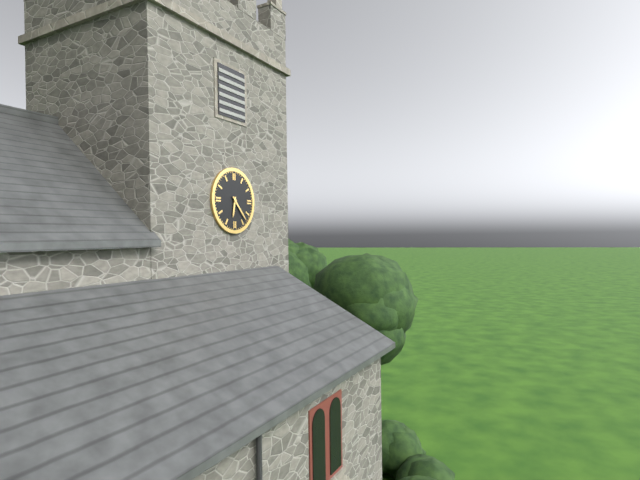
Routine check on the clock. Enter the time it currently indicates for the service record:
6:23
